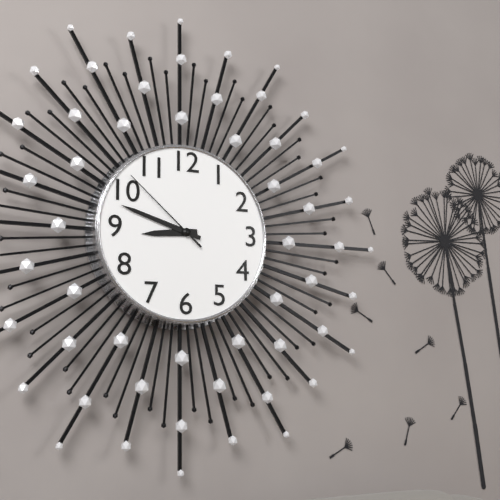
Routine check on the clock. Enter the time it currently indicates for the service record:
8:48:52
